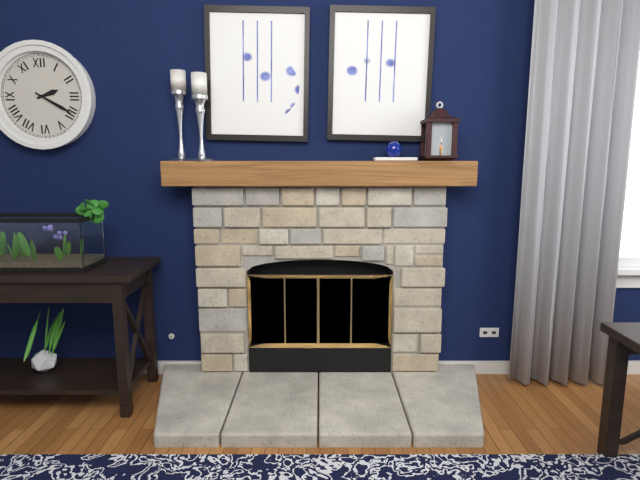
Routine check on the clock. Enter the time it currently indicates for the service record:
2:20
